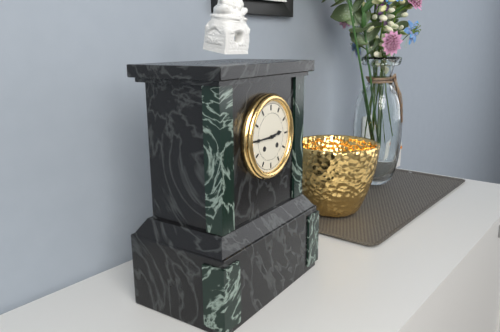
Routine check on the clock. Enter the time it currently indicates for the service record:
2:45
